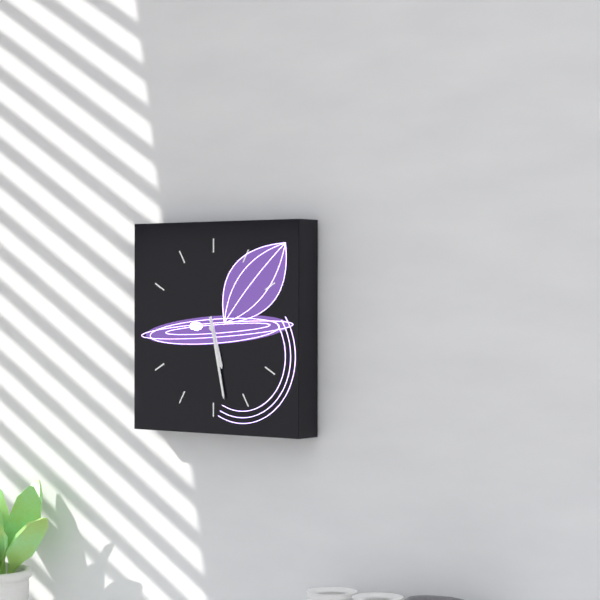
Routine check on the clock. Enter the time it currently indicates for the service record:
5:28
